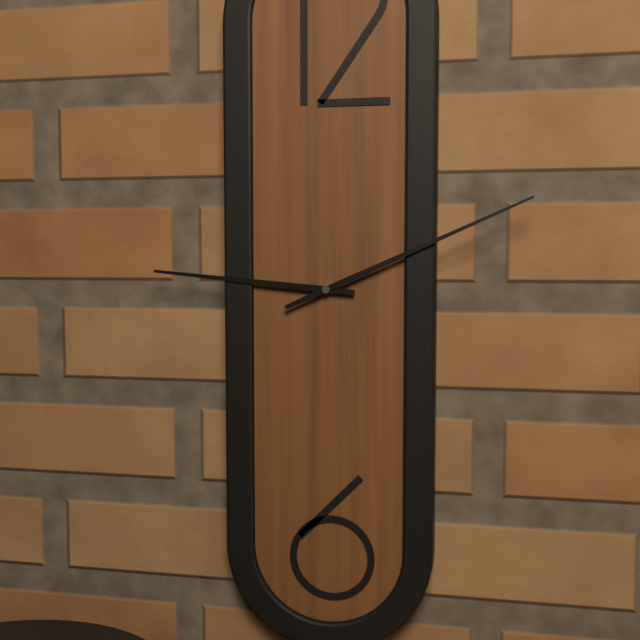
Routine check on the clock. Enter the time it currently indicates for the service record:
9:11
